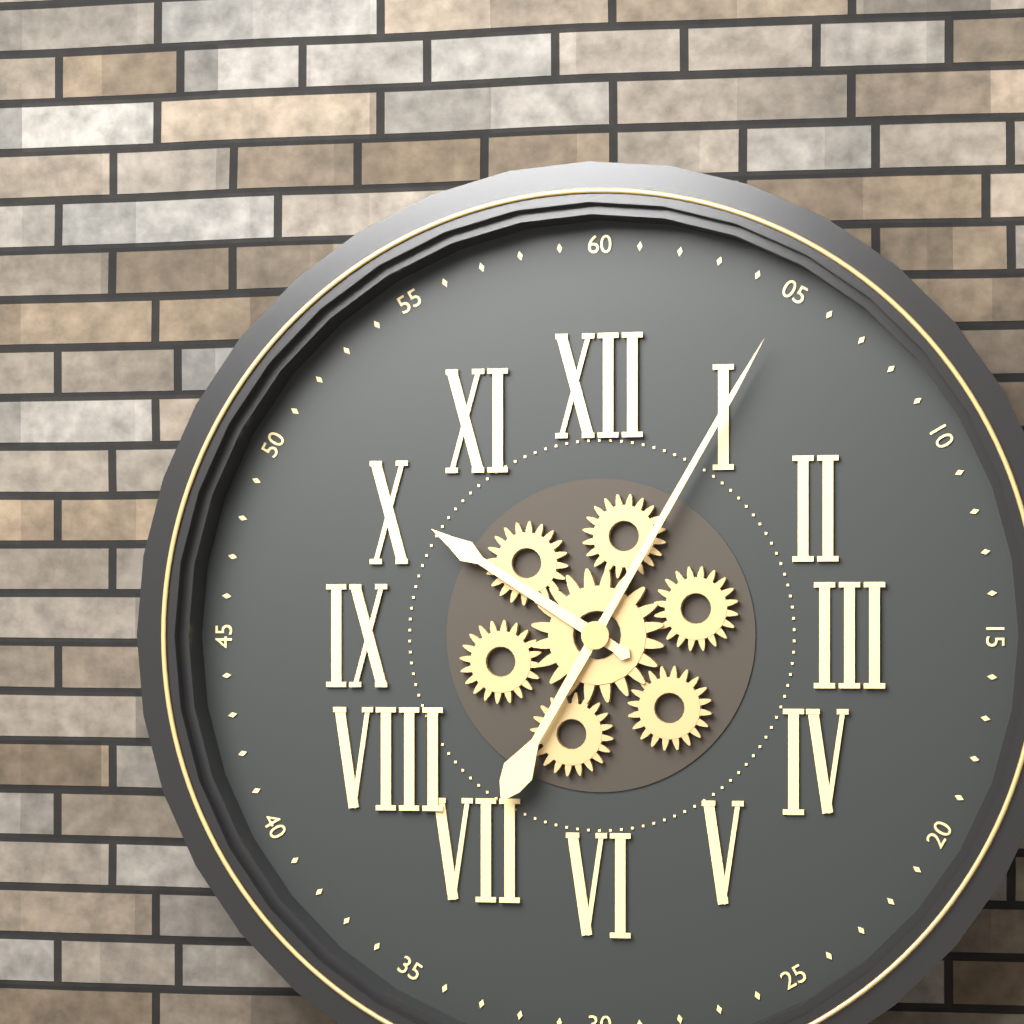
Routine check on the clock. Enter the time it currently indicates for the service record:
10:05
